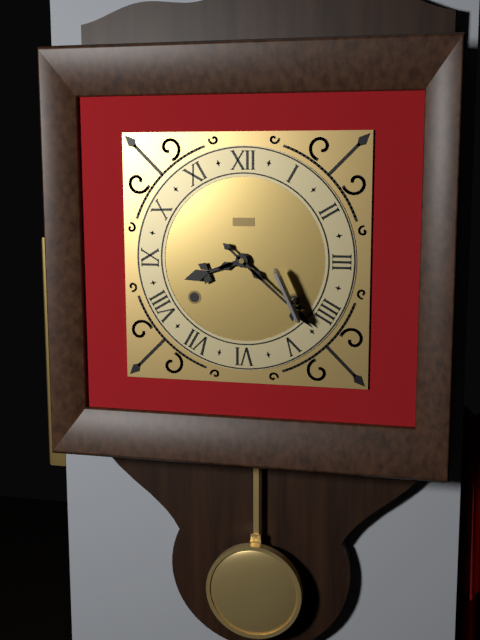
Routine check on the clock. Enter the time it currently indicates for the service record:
8:22
